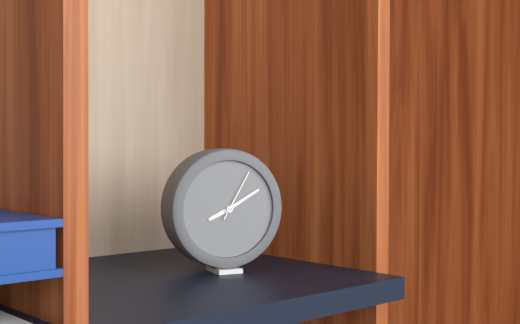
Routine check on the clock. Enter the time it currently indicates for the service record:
8:10:05
